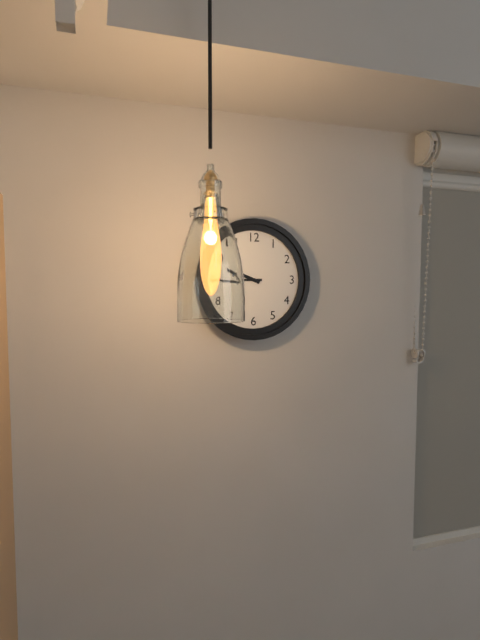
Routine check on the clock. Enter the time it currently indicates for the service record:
9:45
